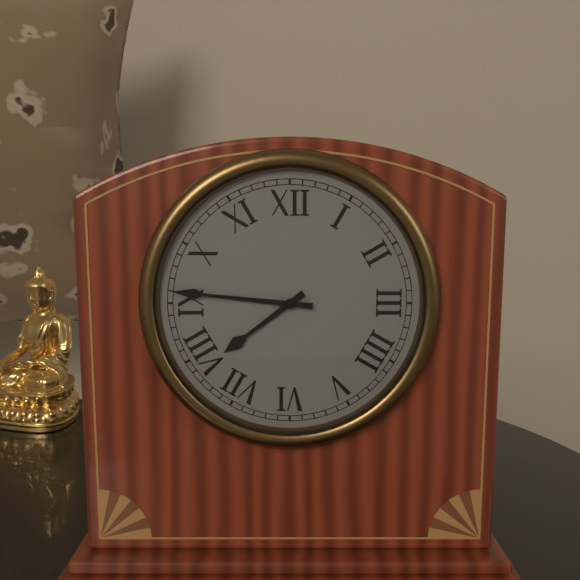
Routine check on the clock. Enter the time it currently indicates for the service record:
7:46
